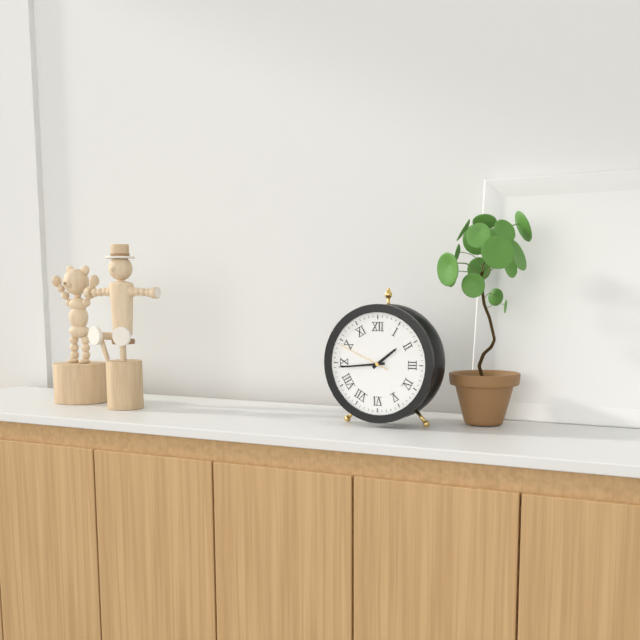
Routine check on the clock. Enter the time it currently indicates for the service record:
1:44:49
